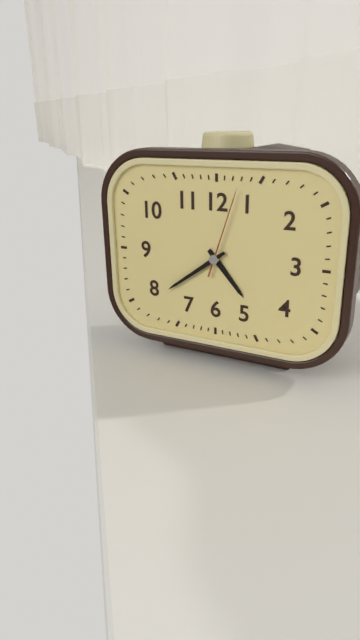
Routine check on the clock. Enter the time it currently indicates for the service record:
4:39:03
